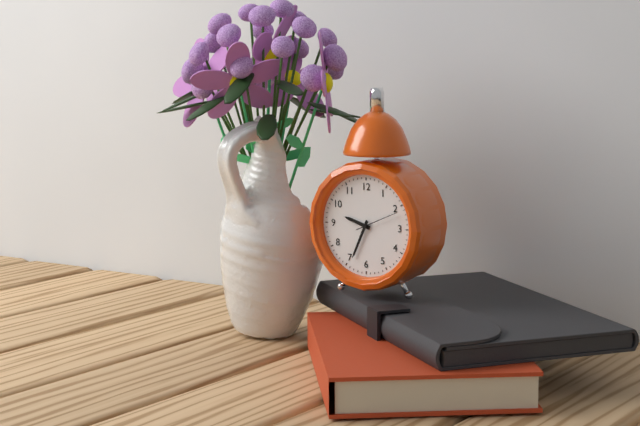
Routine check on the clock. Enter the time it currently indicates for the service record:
9:34
